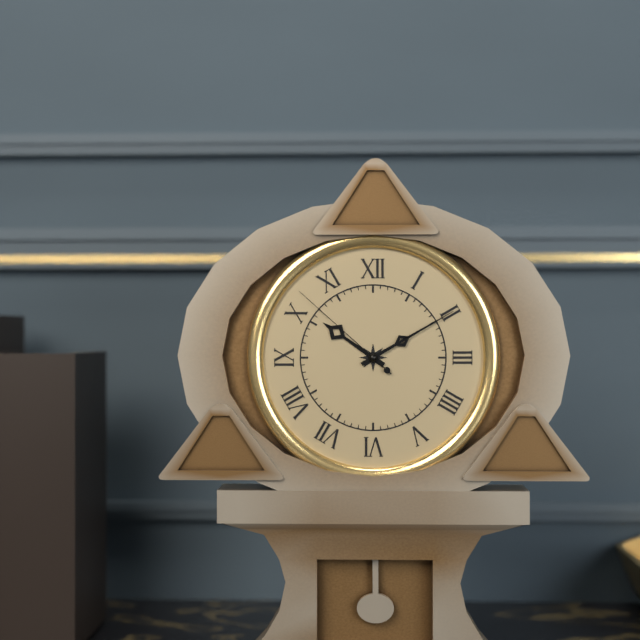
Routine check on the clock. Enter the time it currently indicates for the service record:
10:10:52
